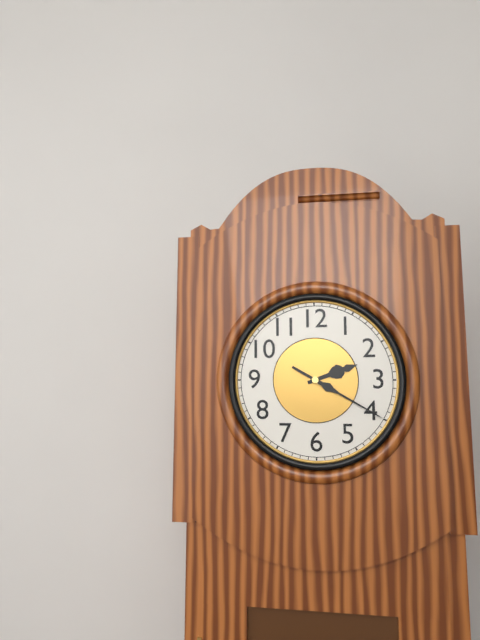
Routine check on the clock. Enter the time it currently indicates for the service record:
2:20
